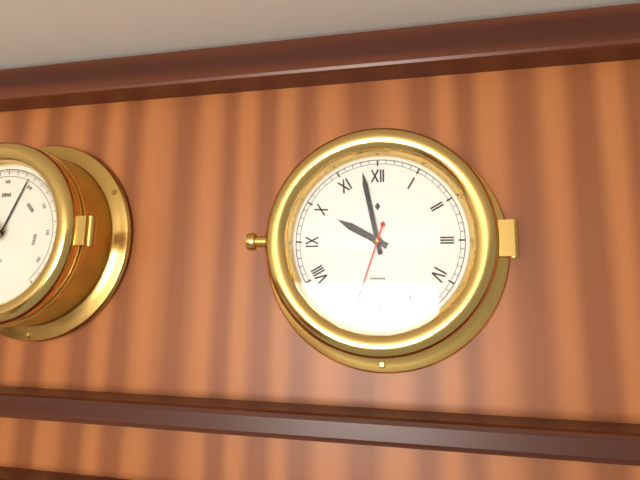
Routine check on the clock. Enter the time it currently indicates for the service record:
9:58:33
